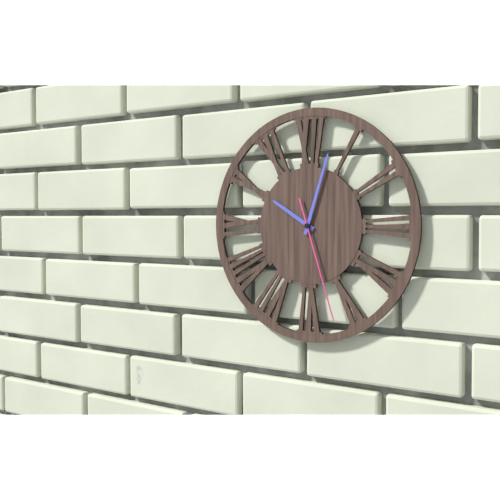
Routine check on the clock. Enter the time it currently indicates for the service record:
10:03:27
